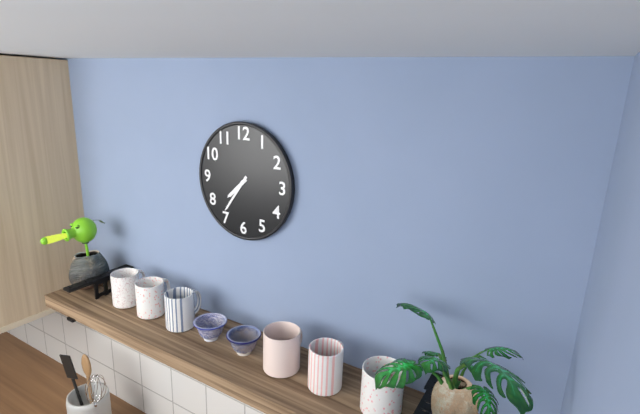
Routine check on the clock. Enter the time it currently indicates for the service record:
7:36
